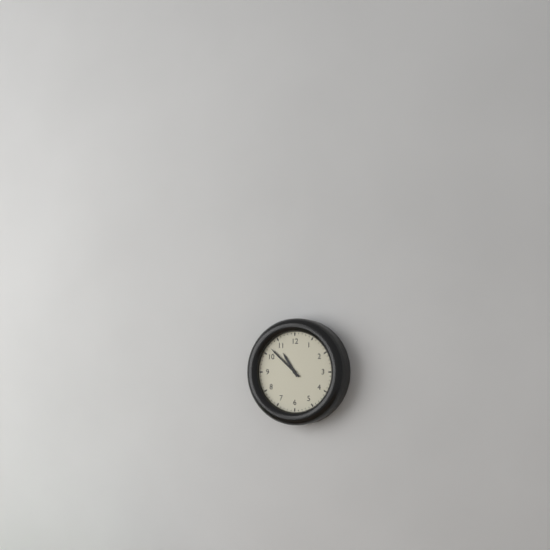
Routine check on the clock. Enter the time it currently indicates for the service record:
10:52
